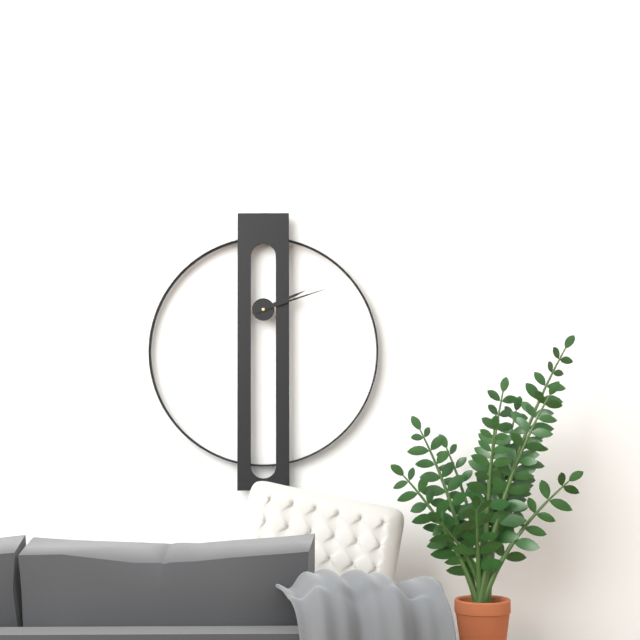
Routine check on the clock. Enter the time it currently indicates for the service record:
2:12
